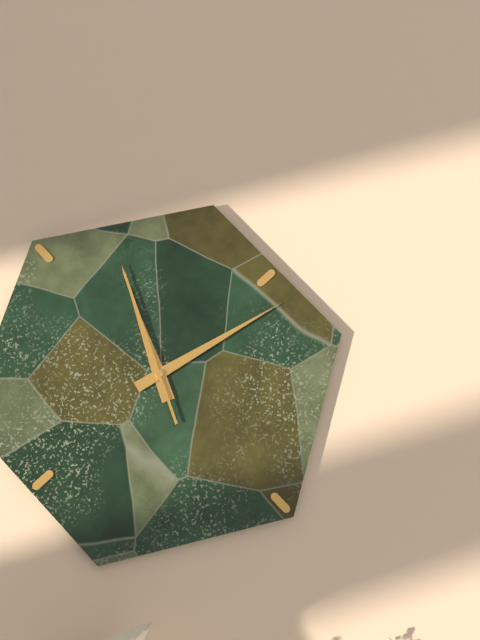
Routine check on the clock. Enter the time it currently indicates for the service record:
6:47:34
